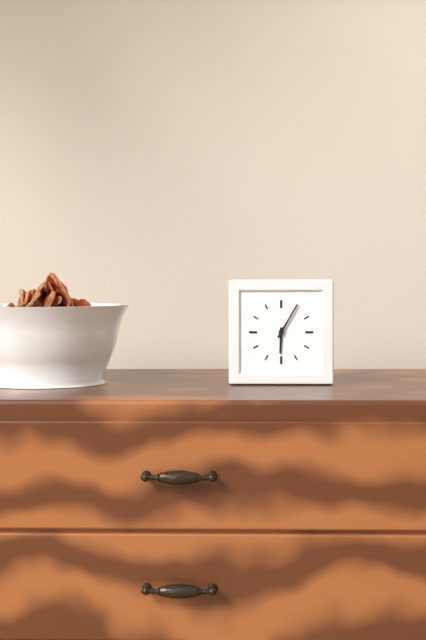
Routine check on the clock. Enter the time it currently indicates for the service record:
6:05
